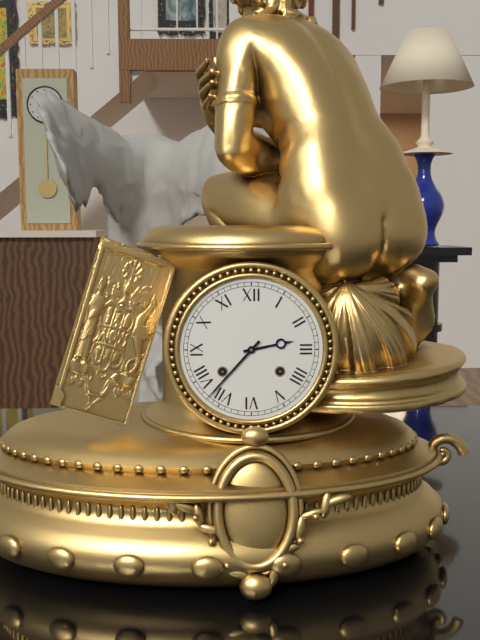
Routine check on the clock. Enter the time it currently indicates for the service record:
2:37
